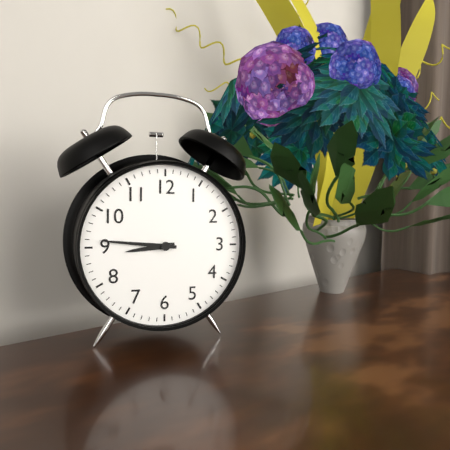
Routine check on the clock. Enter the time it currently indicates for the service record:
8:46
